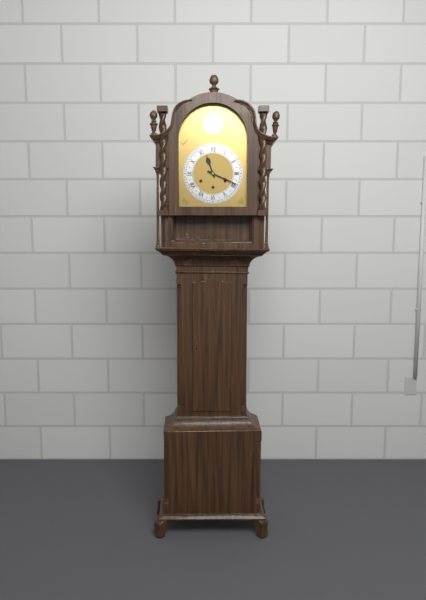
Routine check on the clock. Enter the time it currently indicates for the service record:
11:19
